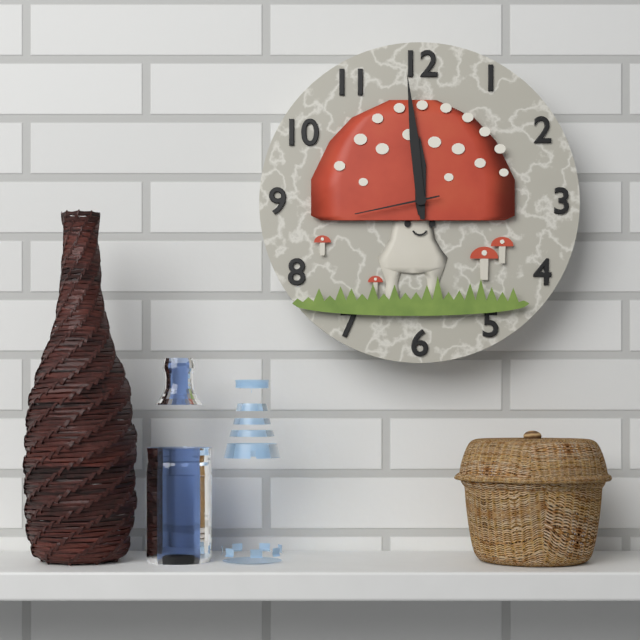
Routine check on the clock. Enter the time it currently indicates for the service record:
11:59:43
